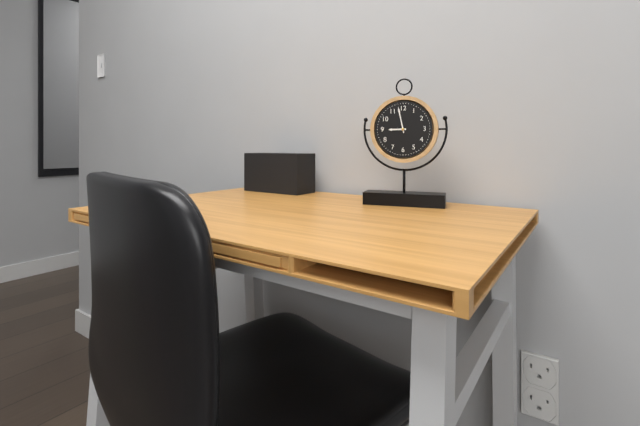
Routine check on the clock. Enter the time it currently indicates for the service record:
8:58
